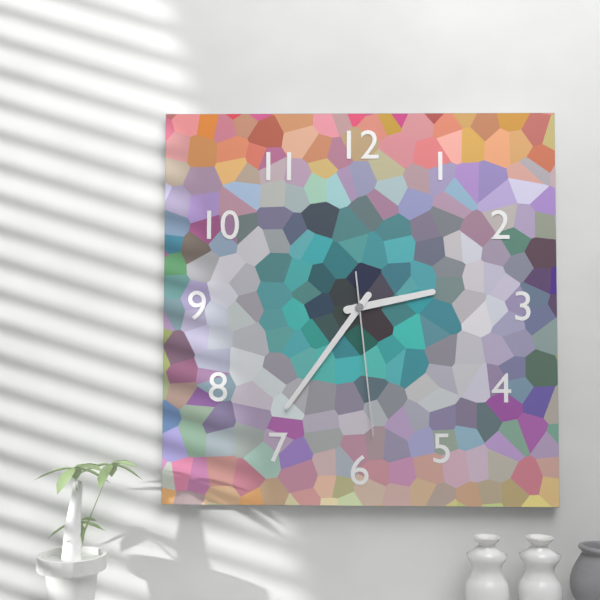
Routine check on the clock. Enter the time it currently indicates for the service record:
2:36:29
